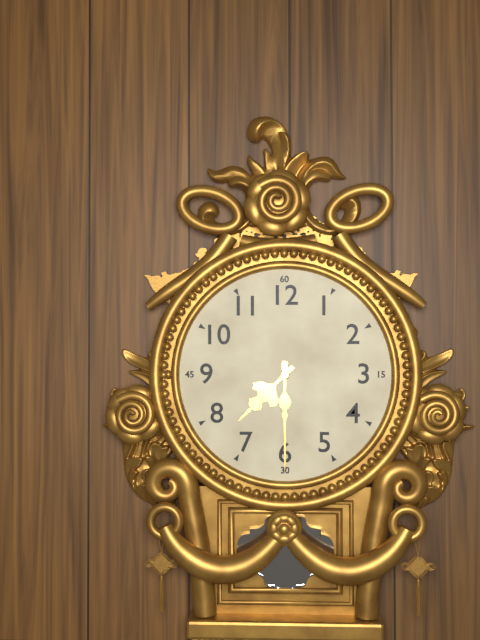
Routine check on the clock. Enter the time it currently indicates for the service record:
7:30
